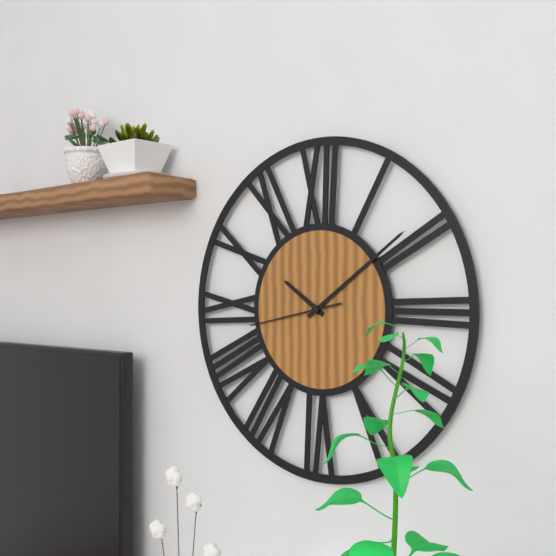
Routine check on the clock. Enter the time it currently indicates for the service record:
10:09:43
